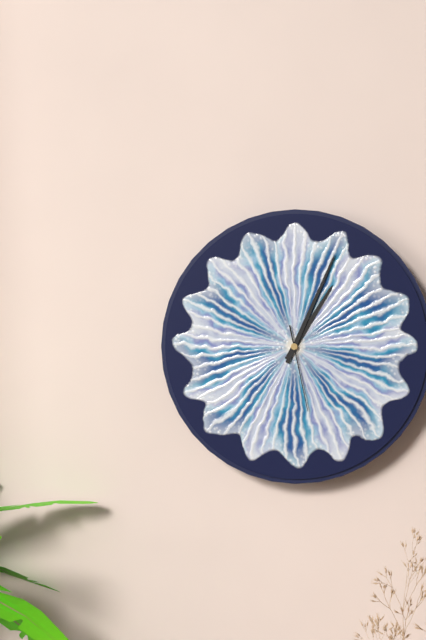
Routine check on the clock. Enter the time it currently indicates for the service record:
1:04:28
